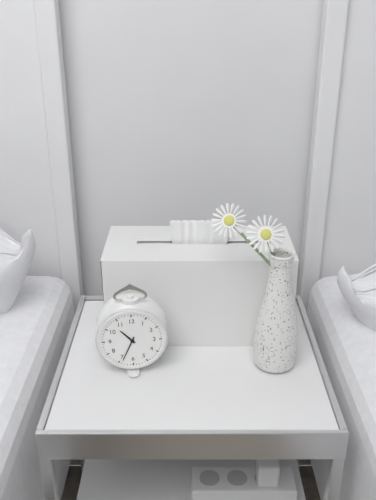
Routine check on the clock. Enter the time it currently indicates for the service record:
10:34
